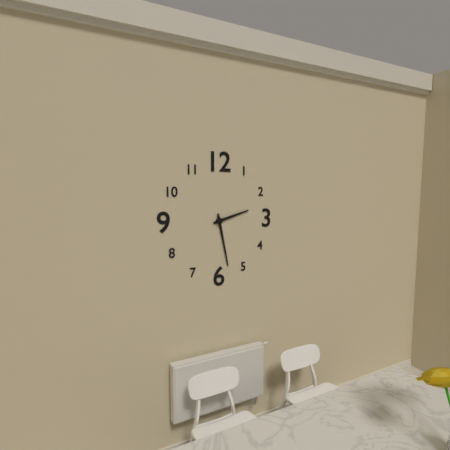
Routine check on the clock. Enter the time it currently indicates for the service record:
2:28
